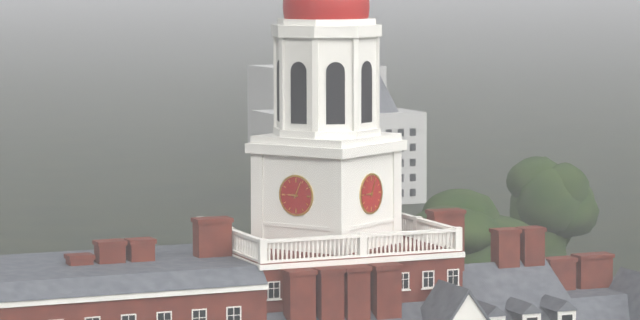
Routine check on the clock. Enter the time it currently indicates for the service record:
9:04
